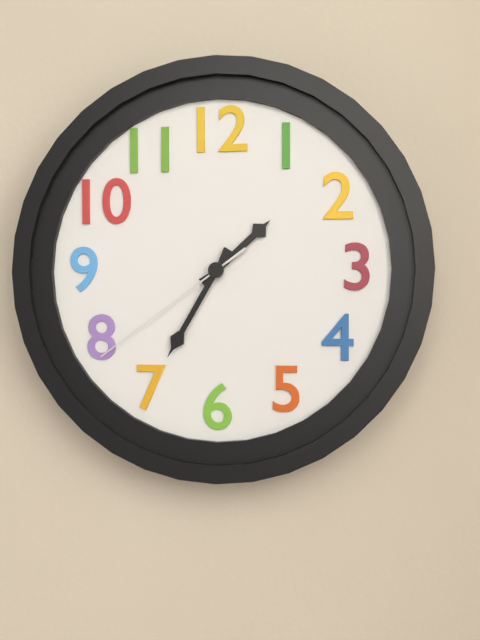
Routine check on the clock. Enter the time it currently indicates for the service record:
1:35:39
